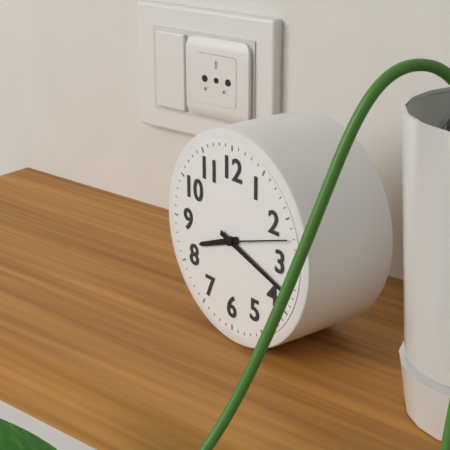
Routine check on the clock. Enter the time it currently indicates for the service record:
8:18:12
